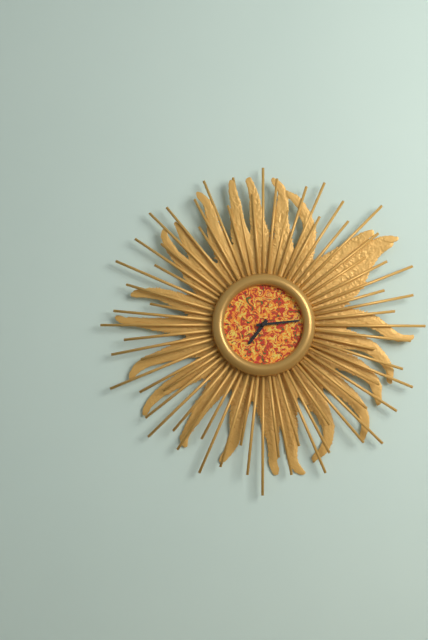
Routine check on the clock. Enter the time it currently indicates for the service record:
7:14
